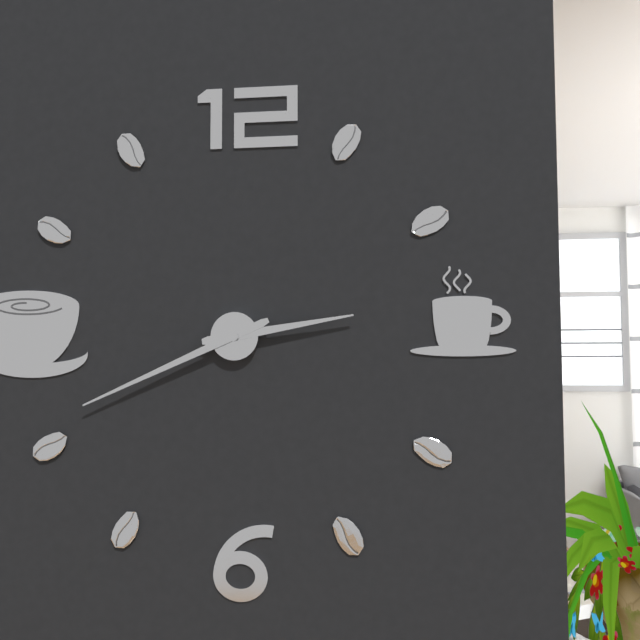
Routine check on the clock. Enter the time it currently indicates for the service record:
2:41
